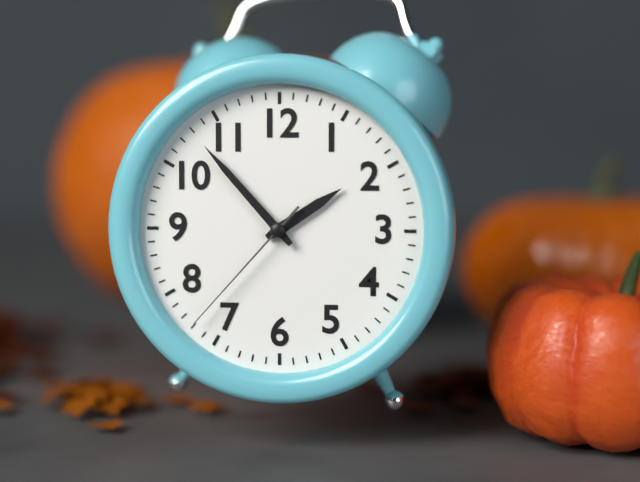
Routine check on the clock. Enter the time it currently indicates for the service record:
1:53:37
